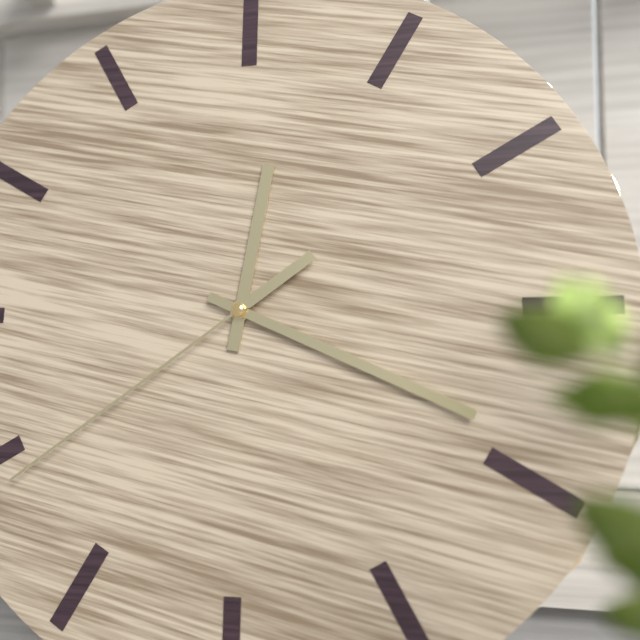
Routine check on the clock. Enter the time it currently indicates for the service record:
12:19:39
